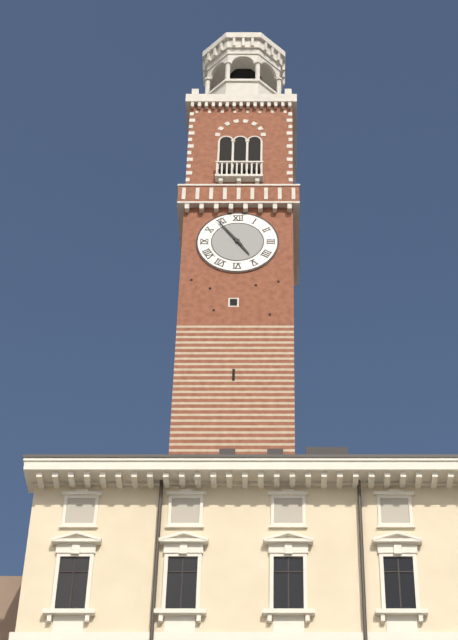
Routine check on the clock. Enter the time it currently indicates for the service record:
4:54
